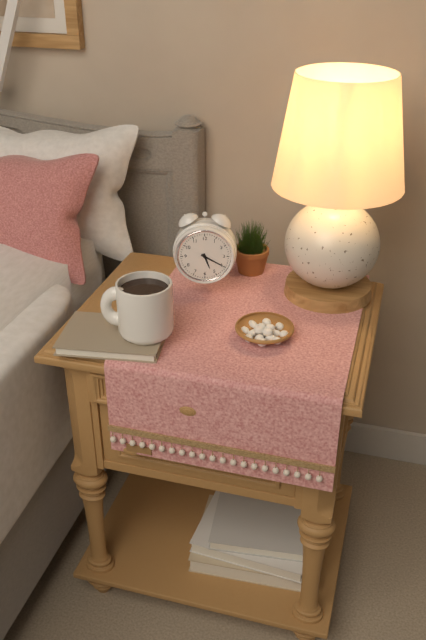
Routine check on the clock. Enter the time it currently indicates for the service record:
5:20
